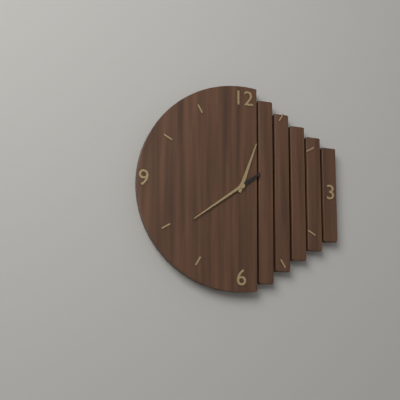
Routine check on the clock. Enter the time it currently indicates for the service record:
12:39
